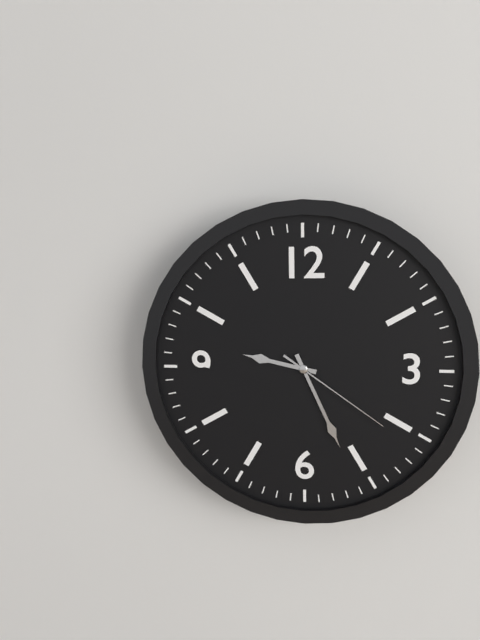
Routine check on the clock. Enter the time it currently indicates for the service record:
9:26:21
